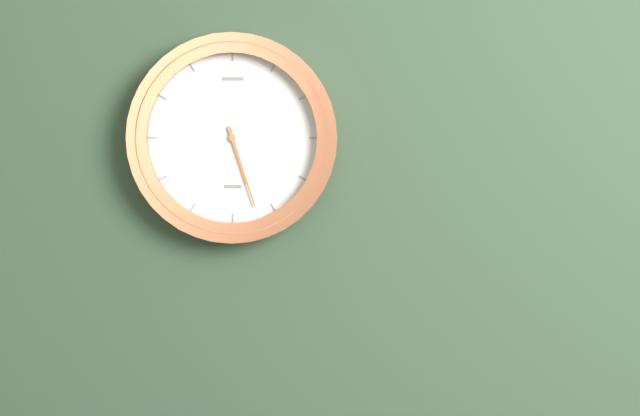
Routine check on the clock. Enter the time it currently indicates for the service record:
5:27
